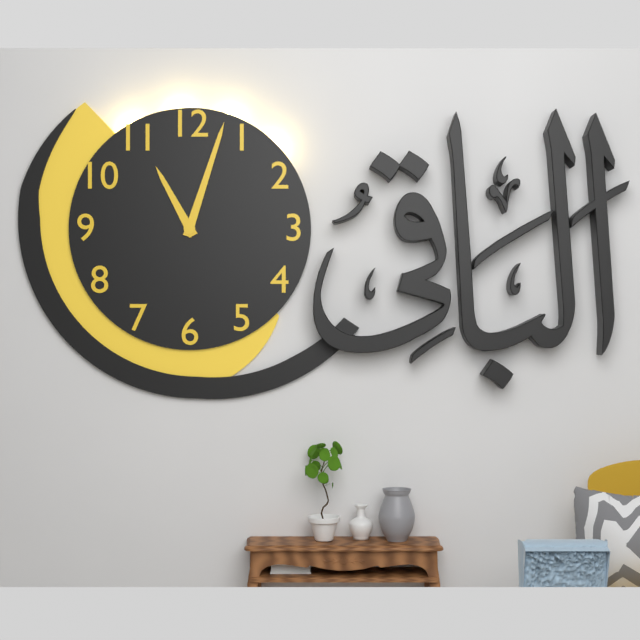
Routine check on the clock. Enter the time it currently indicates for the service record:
11:03
